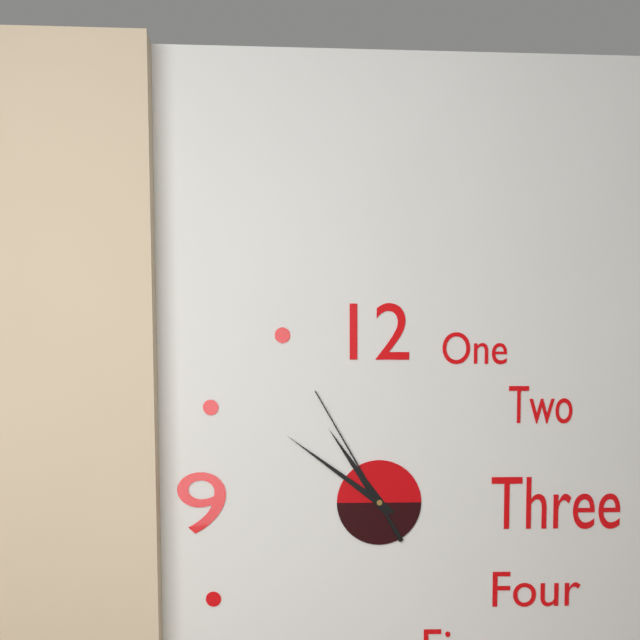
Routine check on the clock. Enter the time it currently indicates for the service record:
10:51:55
